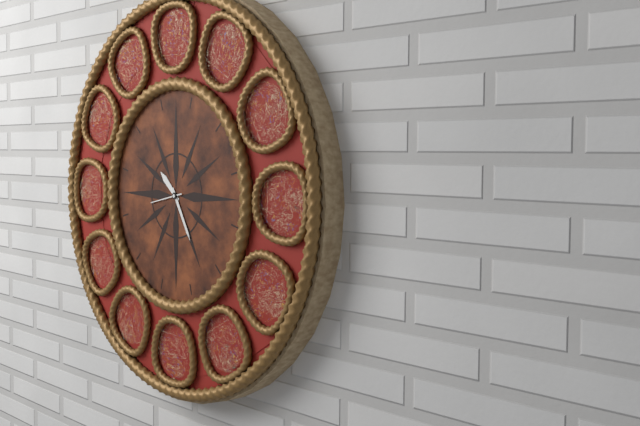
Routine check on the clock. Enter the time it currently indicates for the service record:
10:25
